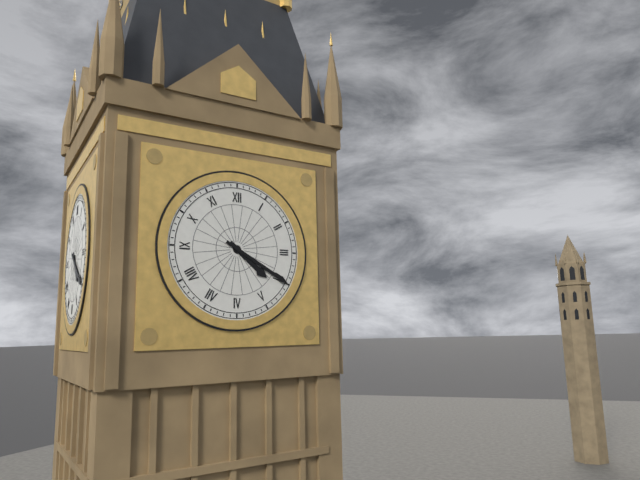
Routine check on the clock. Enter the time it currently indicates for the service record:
4:20
